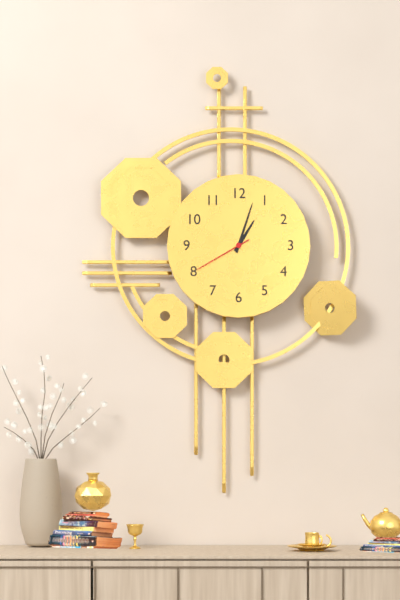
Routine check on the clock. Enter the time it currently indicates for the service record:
1:03:40
